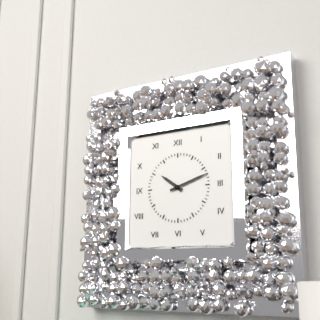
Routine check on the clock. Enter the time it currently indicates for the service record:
10:12
